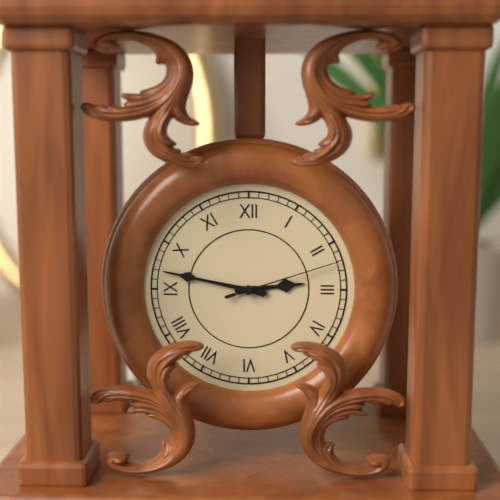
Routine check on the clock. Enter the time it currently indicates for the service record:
2:47:12
